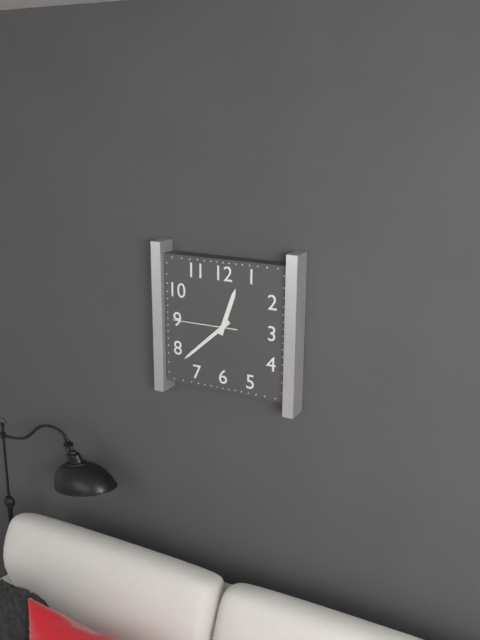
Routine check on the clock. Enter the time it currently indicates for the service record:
12:38:45
